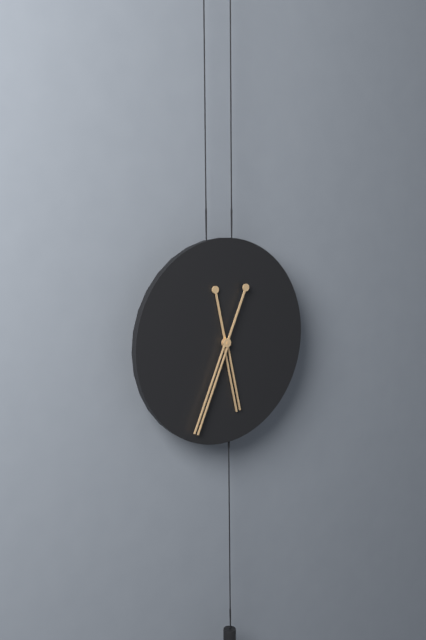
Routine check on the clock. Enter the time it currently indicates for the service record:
5:34
